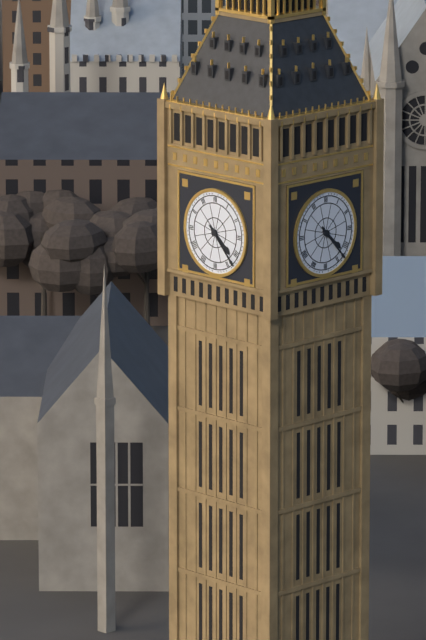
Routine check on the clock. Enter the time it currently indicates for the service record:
4:23
